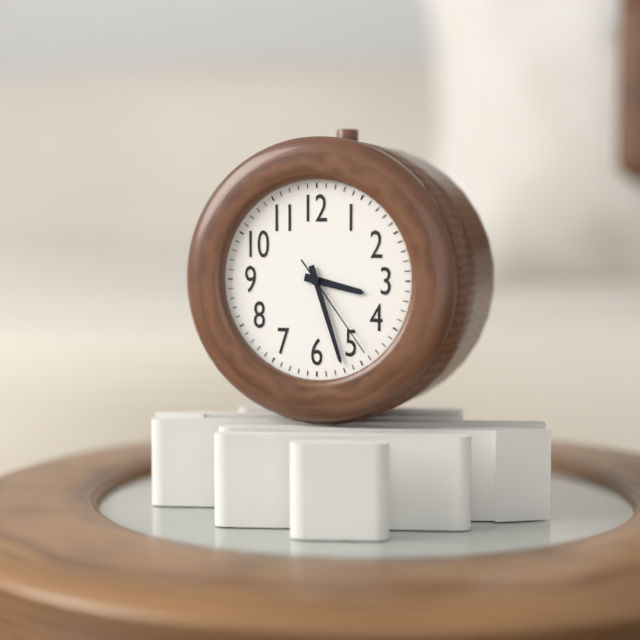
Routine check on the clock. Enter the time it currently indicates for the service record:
3:27:24
